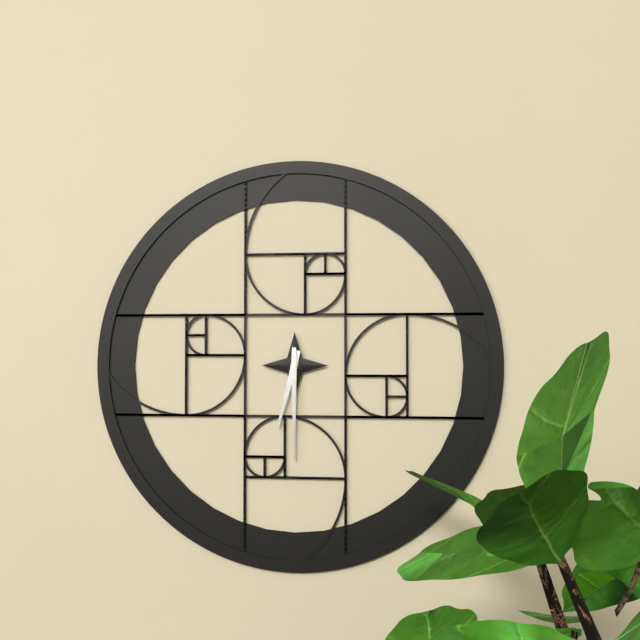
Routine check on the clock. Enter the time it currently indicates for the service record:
6:30
